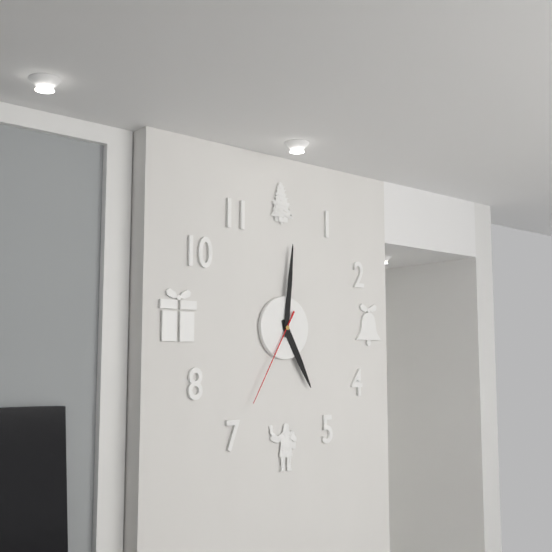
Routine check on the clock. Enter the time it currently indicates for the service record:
5:01:35
